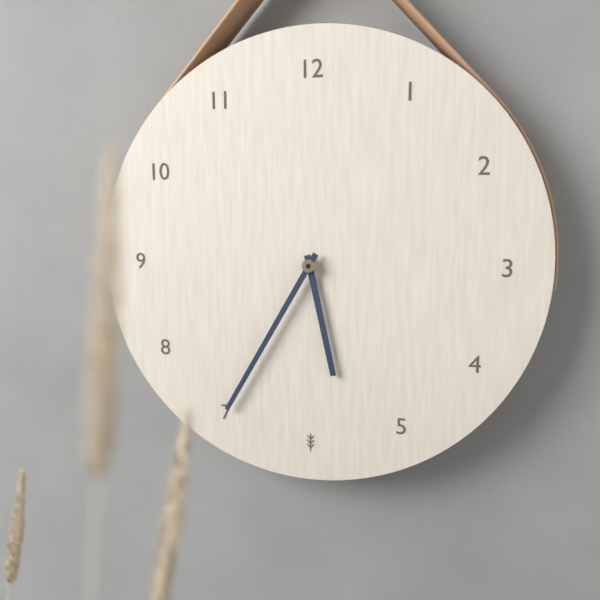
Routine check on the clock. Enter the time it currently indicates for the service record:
5:35
